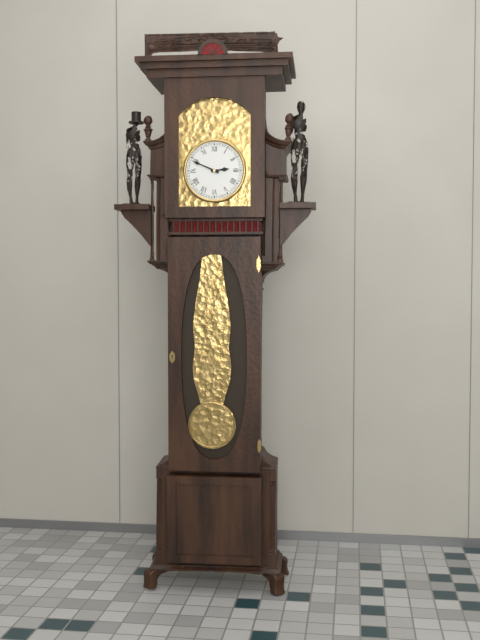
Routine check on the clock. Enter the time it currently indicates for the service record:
2:49
